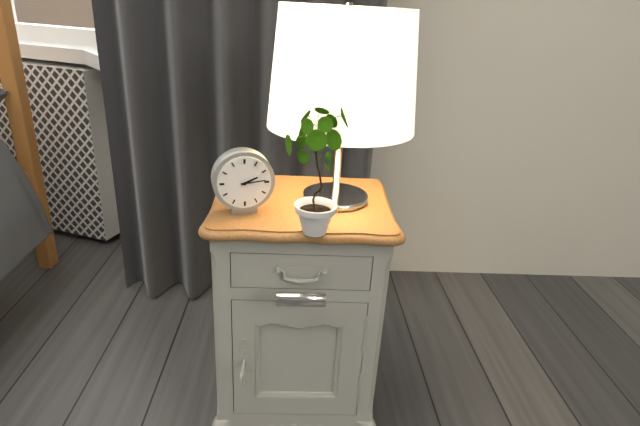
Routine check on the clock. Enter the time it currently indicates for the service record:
2:14
